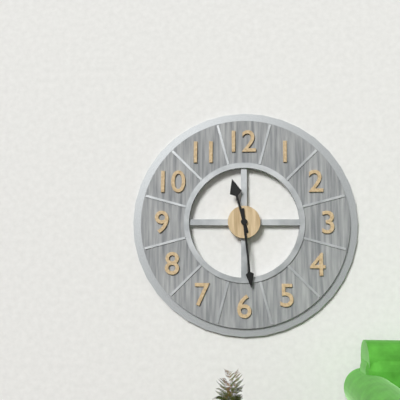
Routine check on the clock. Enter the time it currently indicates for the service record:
11:29
